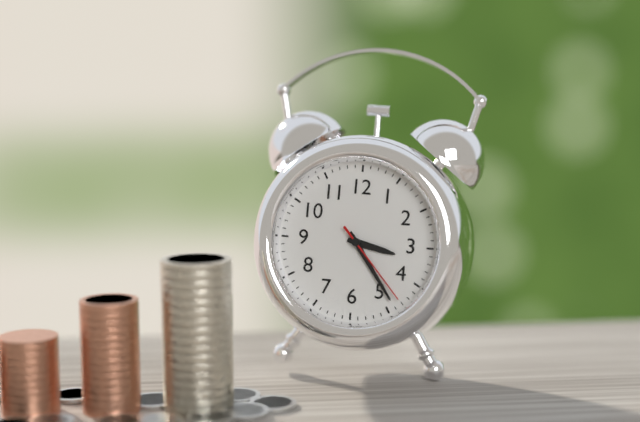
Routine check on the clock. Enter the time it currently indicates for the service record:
3:24:23
